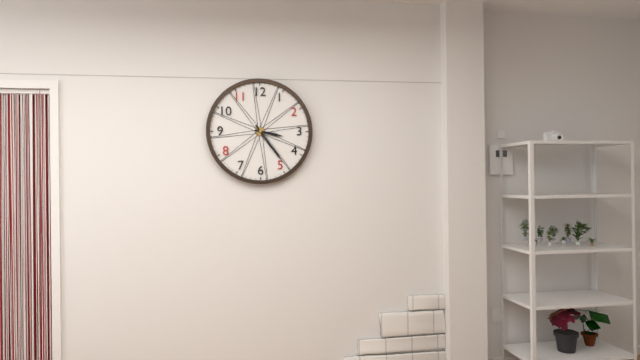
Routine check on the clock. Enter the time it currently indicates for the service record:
3:24
